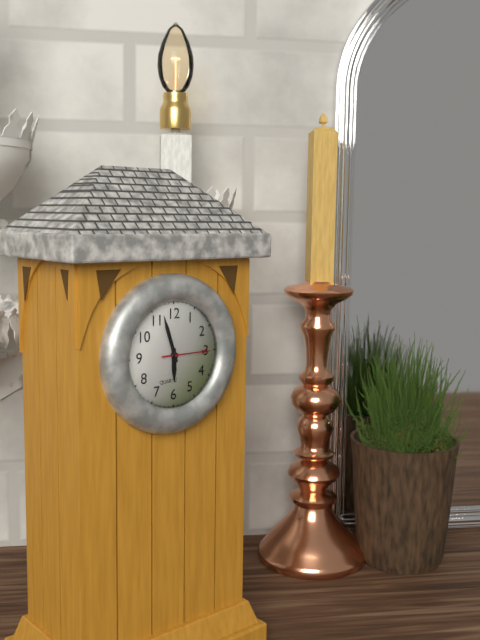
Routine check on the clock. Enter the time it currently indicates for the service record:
5:57
